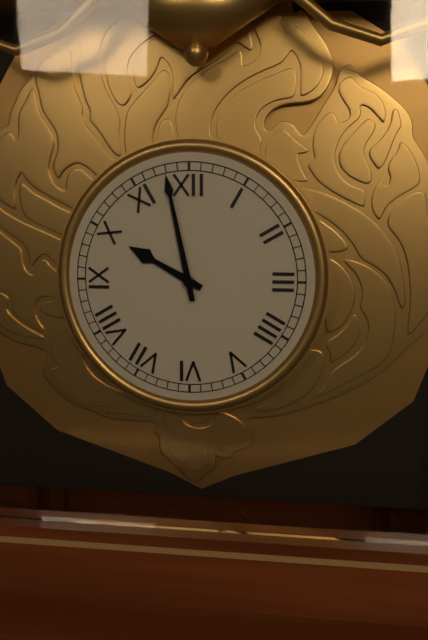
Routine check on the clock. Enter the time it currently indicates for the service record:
9:58
